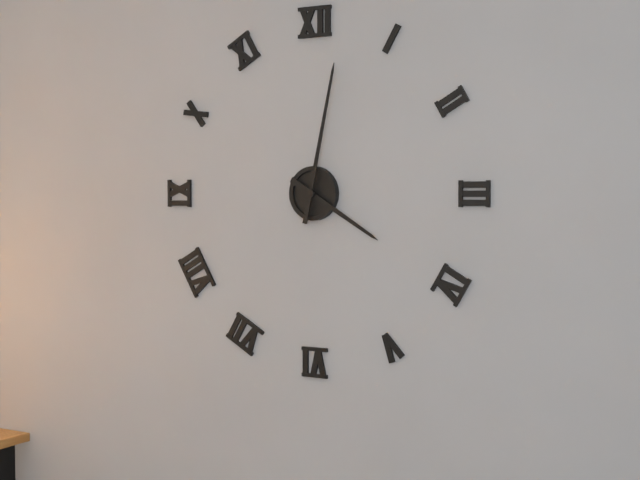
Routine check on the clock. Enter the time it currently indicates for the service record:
4:02
